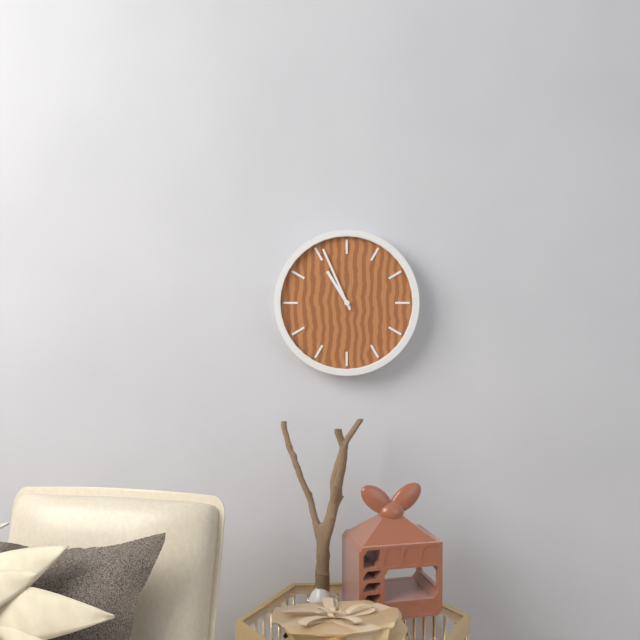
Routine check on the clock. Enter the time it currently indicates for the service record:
10:56
